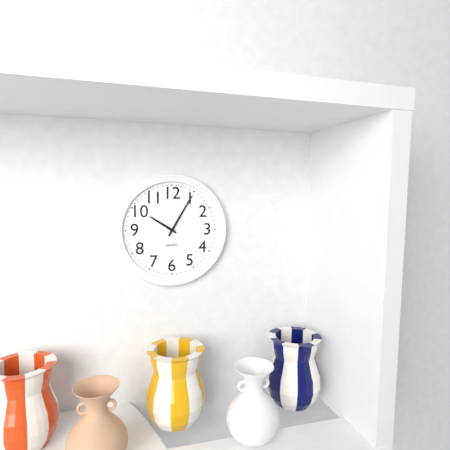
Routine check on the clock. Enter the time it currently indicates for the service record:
10:05
